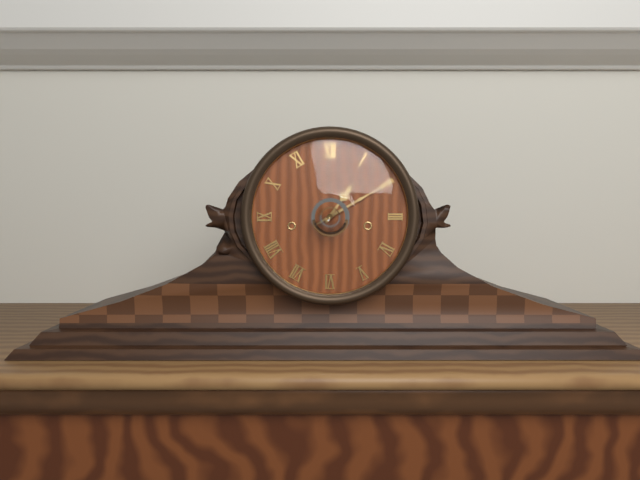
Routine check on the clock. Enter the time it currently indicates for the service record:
1:10
